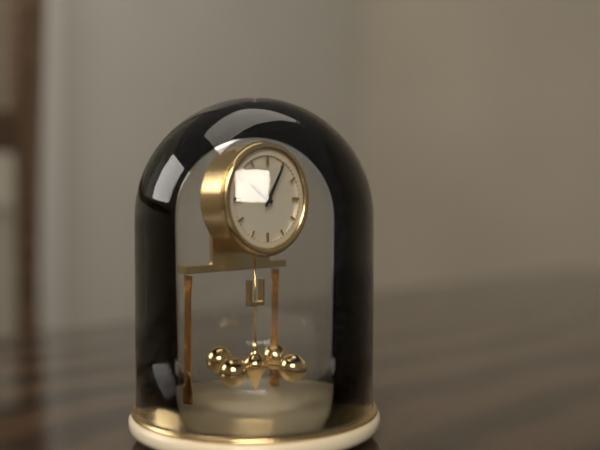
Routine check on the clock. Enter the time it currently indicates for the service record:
10:05
